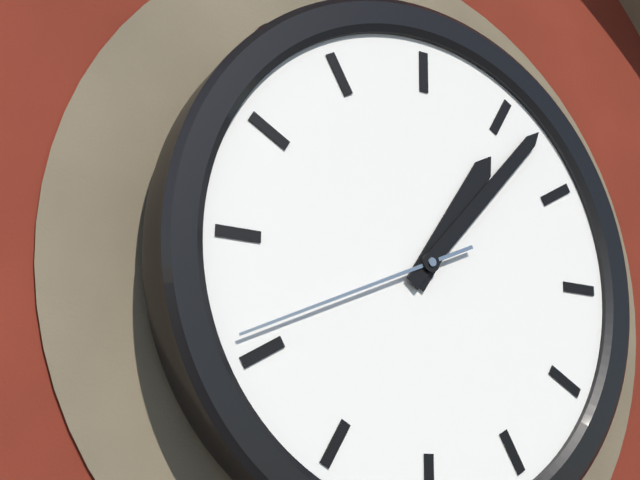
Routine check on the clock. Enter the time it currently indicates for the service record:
1:07:41
